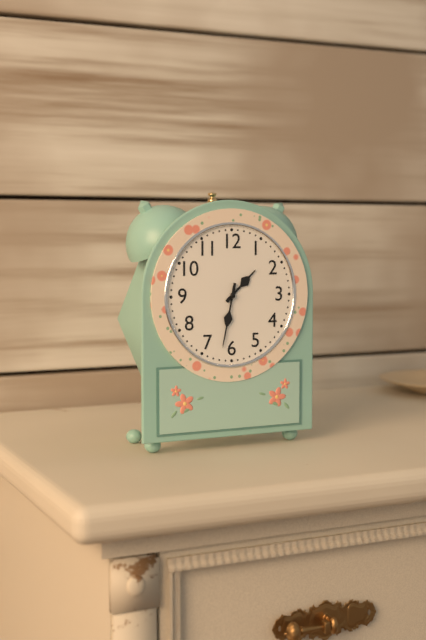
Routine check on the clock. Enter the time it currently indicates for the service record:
1:32
